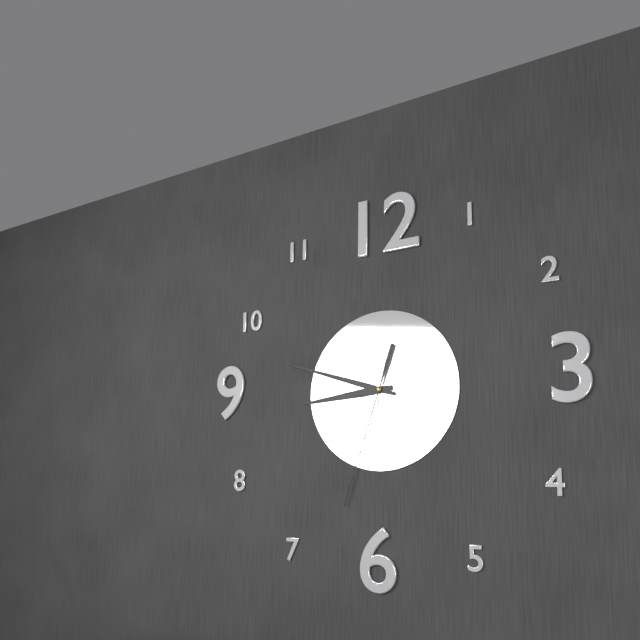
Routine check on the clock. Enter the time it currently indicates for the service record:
8:48:33
